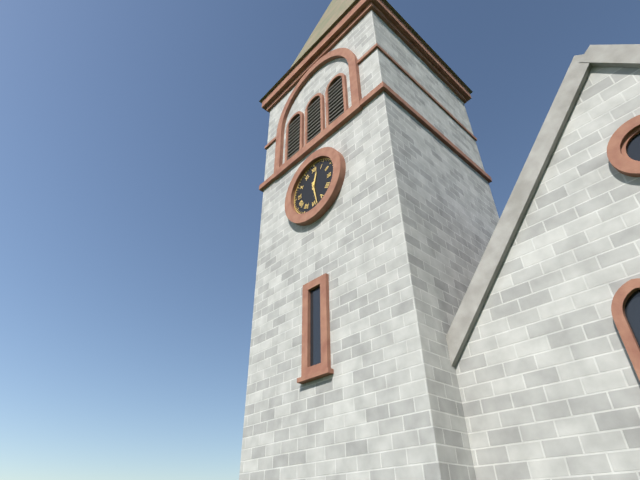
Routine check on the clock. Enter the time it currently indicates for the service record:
12:28
